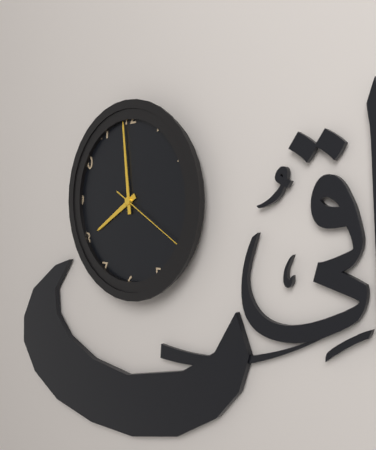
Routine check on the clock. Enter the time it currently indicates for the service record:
7:59:20
